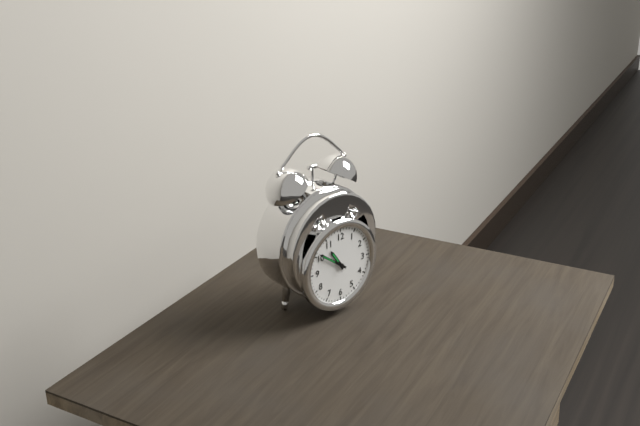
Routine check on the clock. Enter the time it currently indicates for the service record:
10:51
